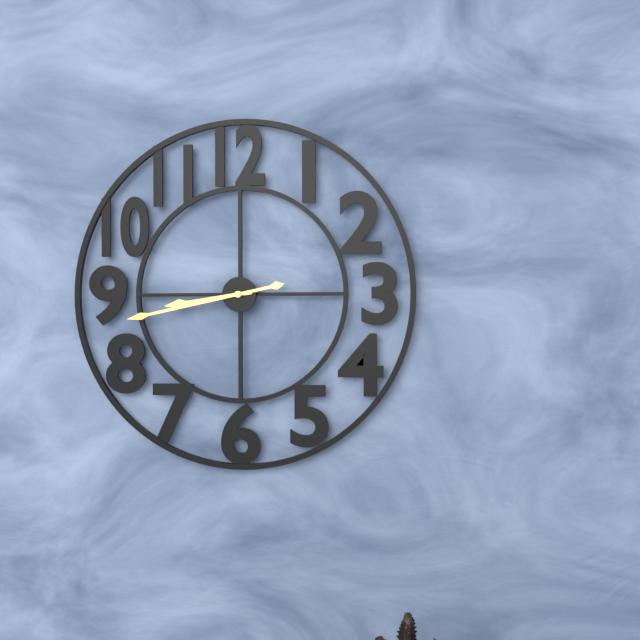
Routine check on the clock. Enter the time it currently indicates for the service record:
8:43
